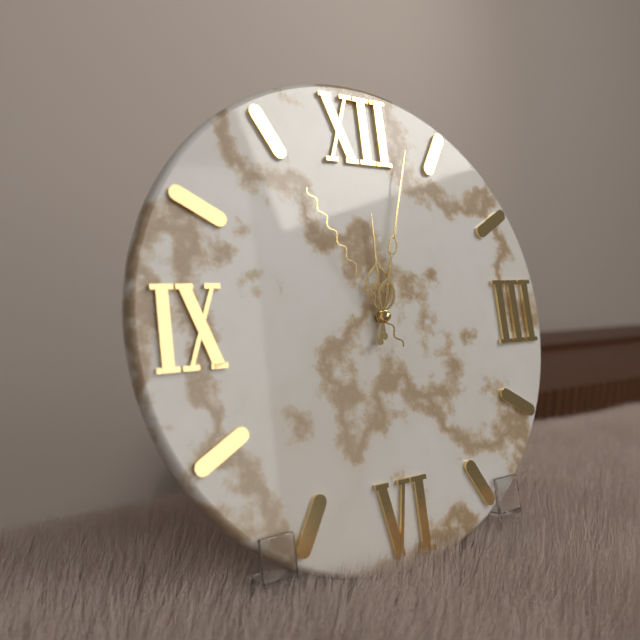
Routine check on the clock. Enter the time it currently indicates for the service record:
12:03:55
